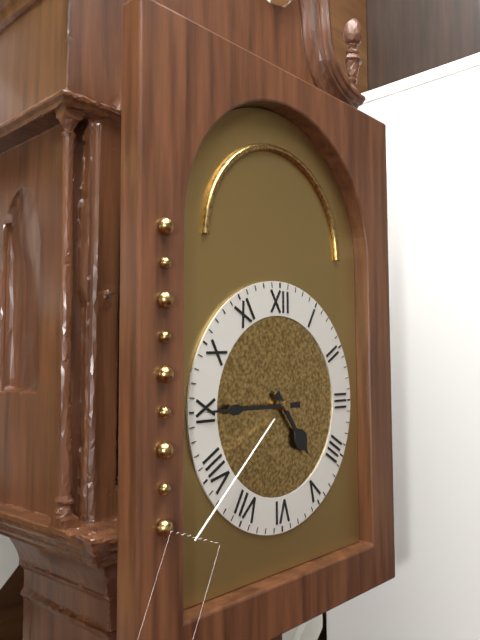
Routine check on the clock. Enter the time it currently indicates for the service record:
4:45
